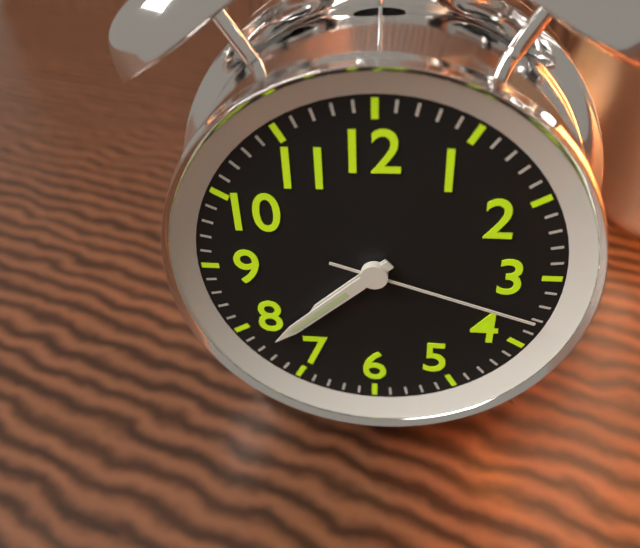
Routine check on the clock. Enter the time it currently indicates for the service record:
7:38:18
